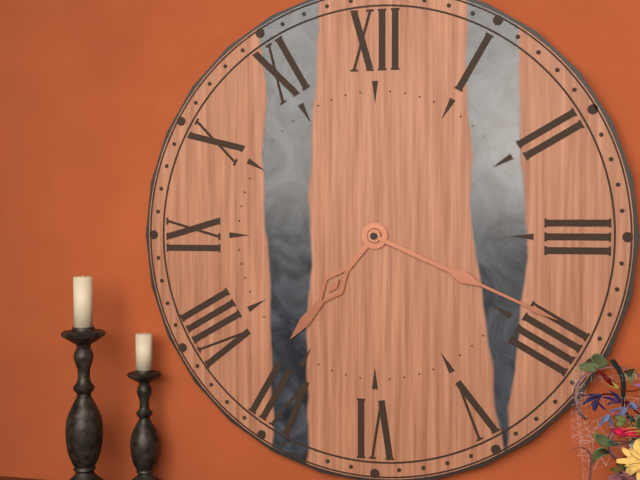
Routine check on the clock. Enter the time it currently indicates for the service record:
7:19
